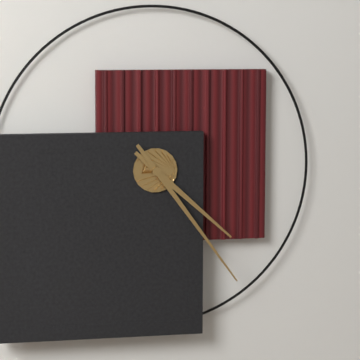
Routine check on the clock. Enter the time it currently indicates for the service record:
4:24
